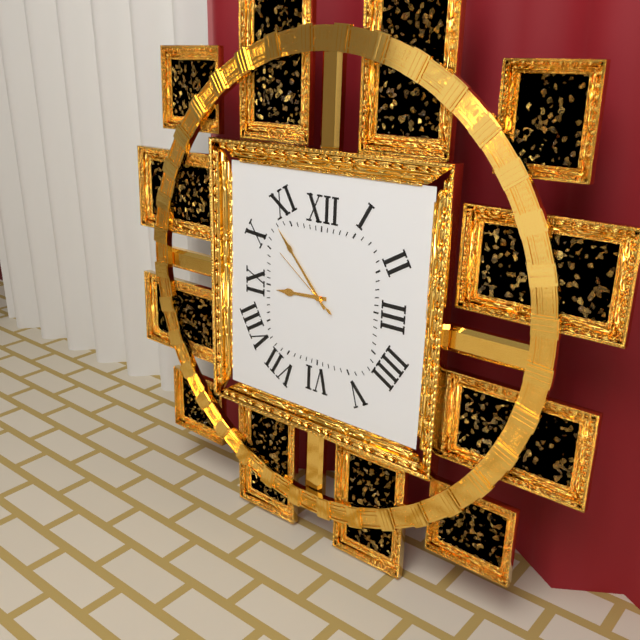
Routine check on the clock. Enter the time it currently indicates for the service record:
8:53:51
